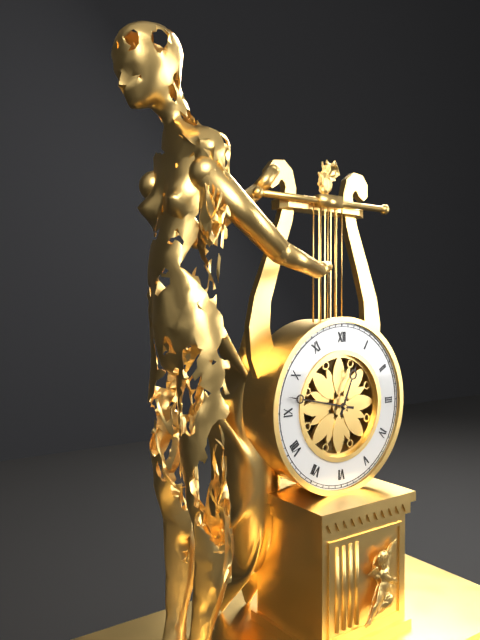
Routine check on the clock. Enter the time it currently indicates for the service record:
12:47
